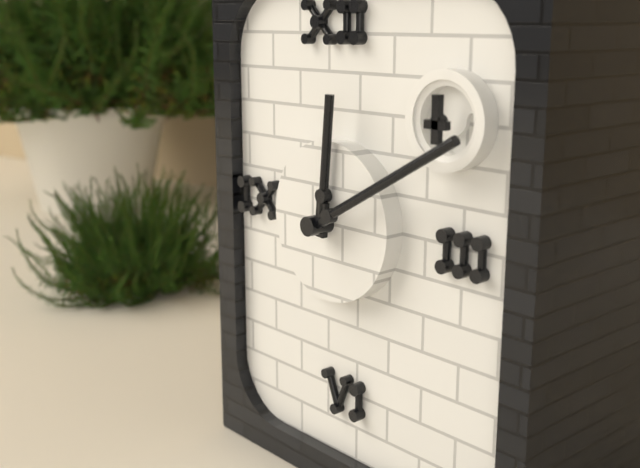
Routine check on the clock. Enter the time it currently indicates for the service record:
12:10
